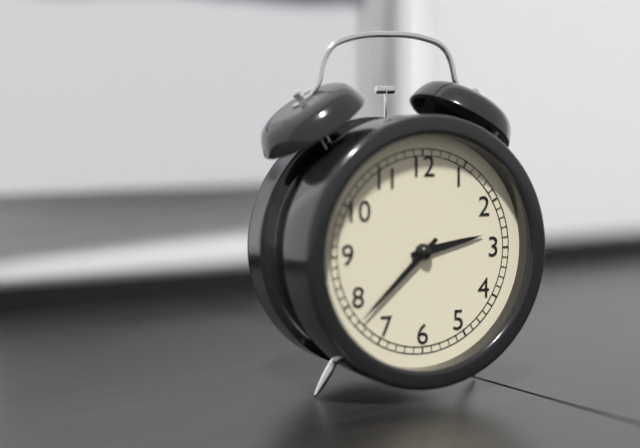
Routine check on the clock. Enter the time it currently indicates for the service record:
2:38
